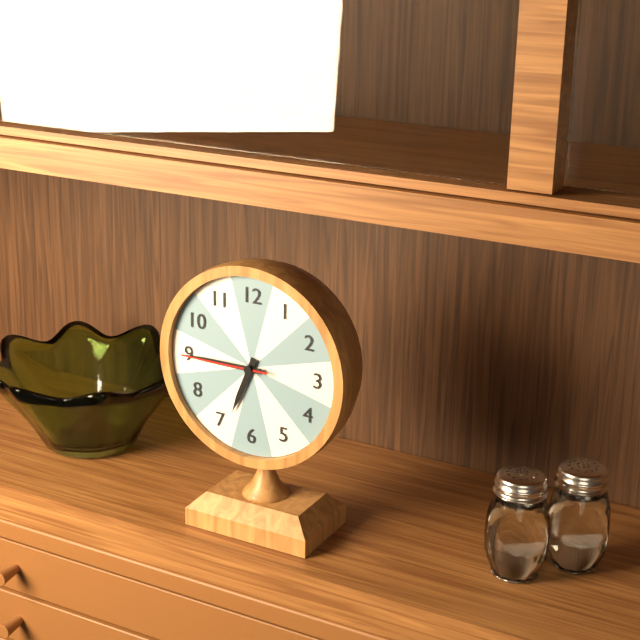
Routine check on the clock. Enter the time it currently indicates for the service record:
6:45:45
